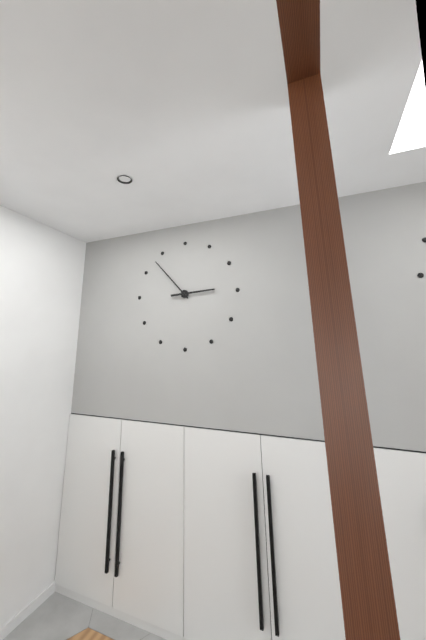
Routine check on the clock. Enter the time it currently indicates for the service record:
2:53
